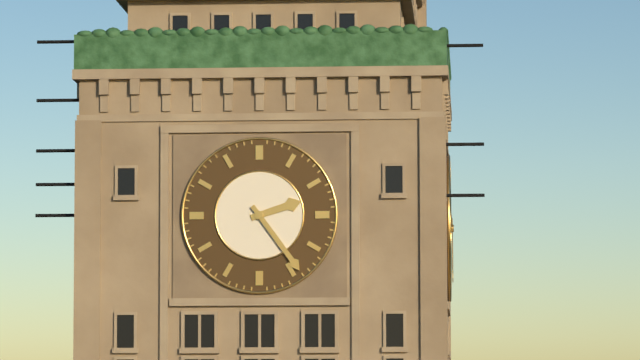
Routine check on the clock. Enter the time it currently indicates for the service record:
2:24
